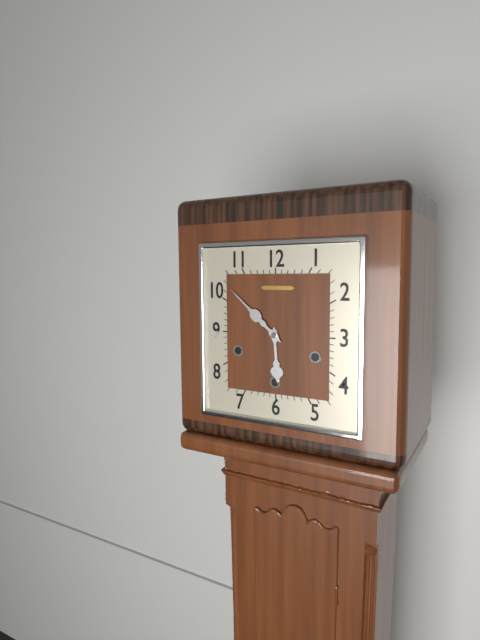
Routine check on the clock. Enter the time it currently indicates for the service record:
5:52
